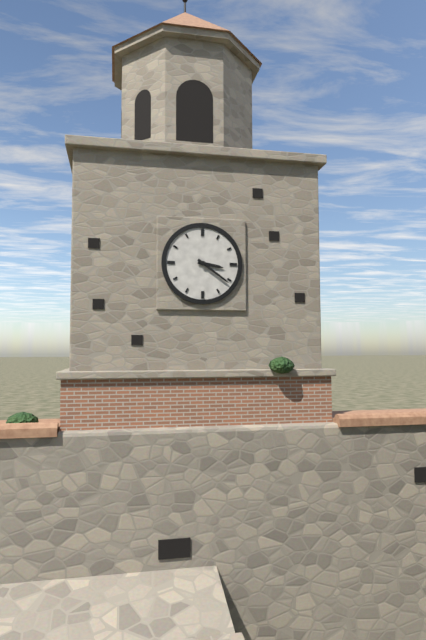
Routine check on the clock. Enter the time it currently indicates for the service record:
3:21
